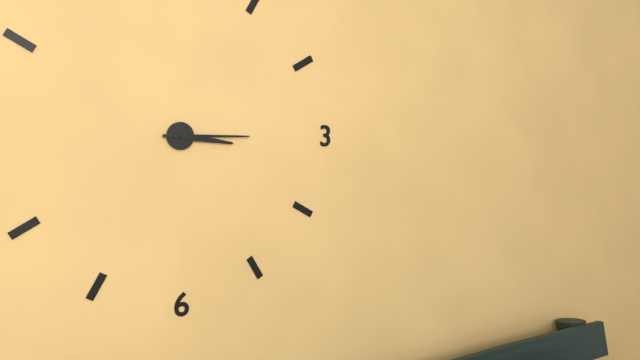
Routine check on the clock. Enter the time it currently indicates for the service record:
3:15
